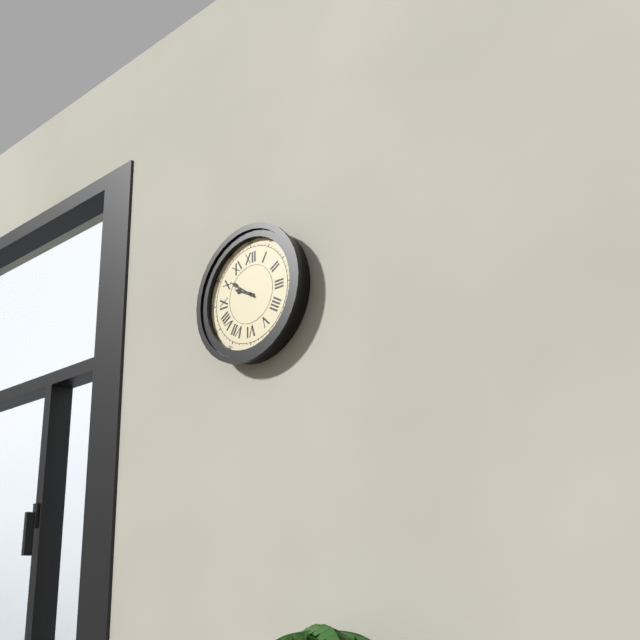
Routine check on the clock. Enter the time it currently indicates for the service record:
9:51
